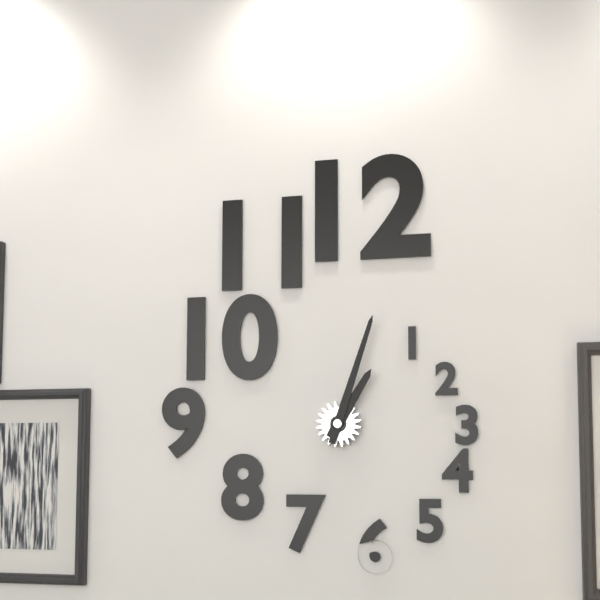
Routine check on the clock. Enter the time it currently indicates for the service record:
1:03
